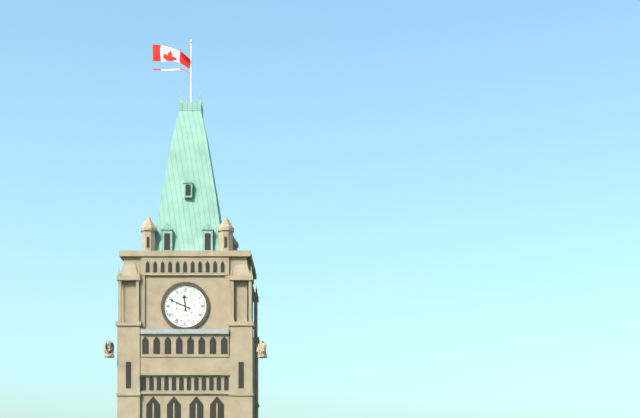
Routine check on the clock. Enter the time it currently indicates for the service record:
11:49
